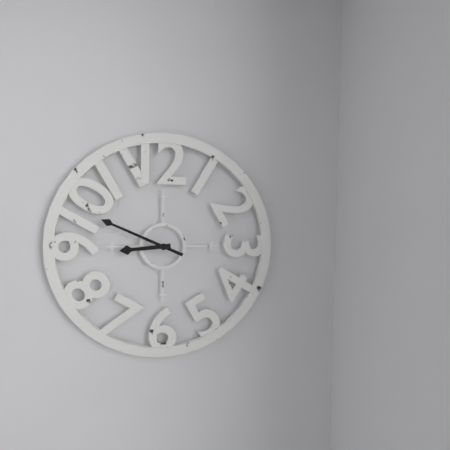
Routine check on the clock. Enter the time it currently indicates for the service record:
8:49
